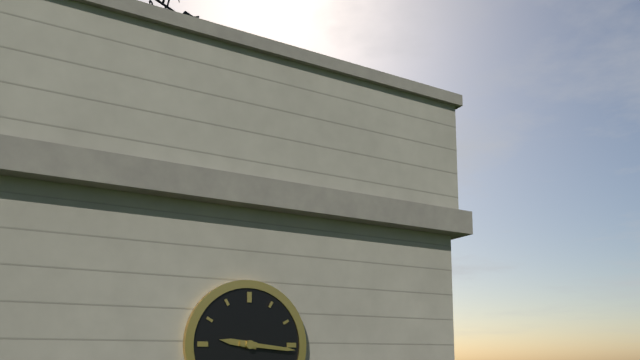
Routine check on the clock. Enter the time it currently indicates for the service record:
9:16
